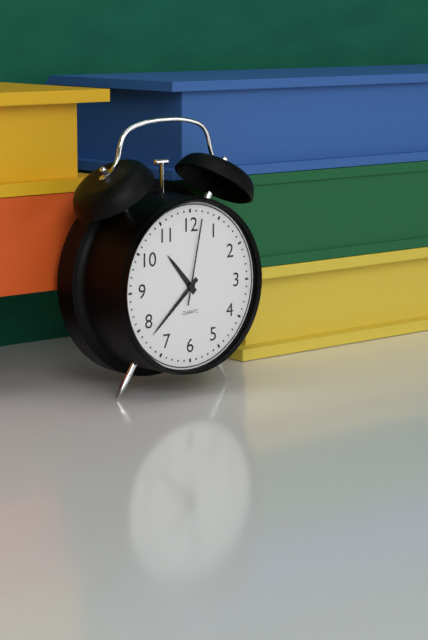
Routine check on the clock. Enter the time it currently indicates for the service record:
10:38:02
